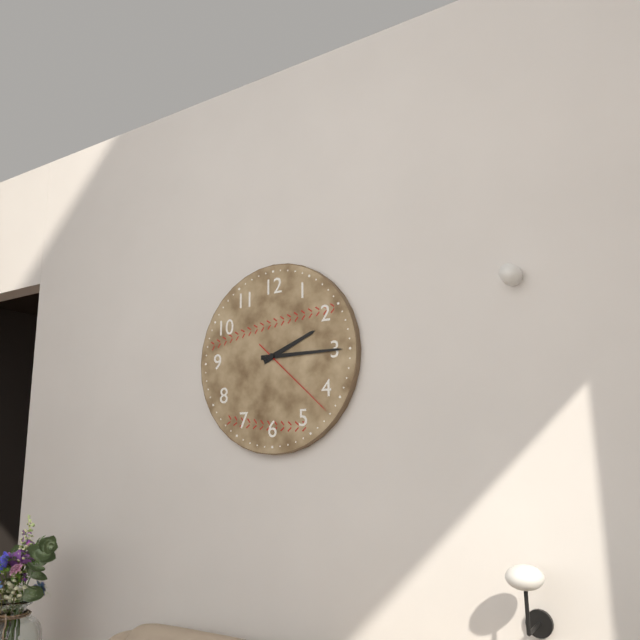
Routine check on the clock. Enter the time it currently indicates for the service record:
2:15:22
